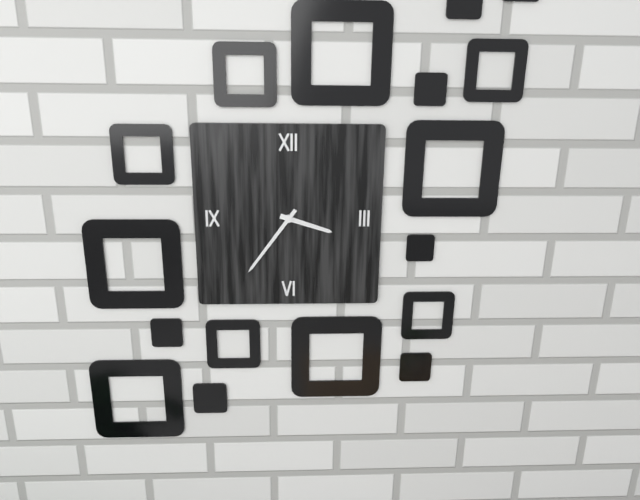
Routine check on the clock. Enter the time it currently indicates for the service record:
3:36
